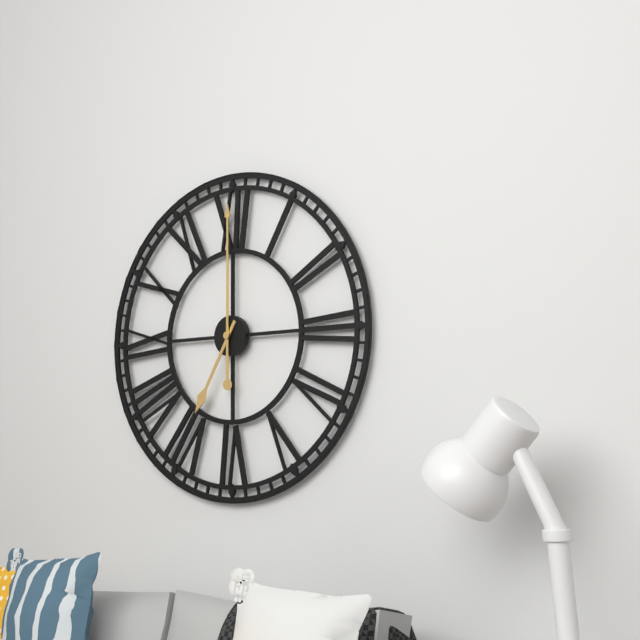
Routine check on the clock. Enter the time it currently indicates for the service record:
7:00
